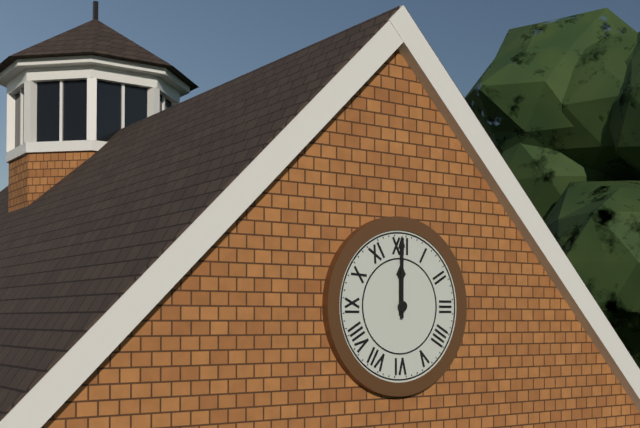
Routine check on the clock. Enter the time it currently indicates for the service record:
12:00
